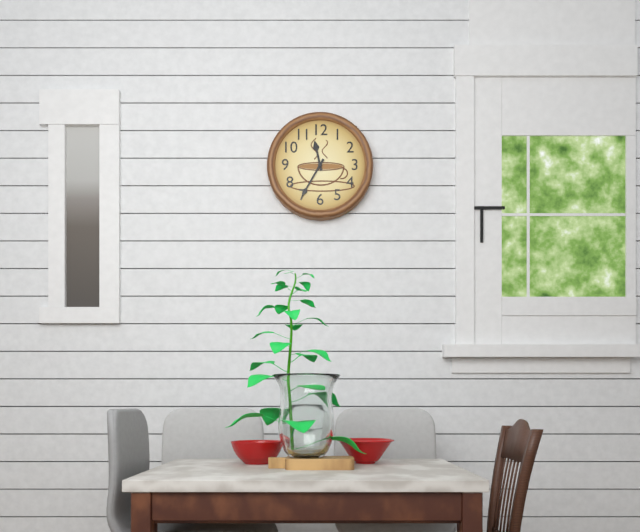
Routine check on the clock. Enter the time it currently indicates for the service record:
11:35
